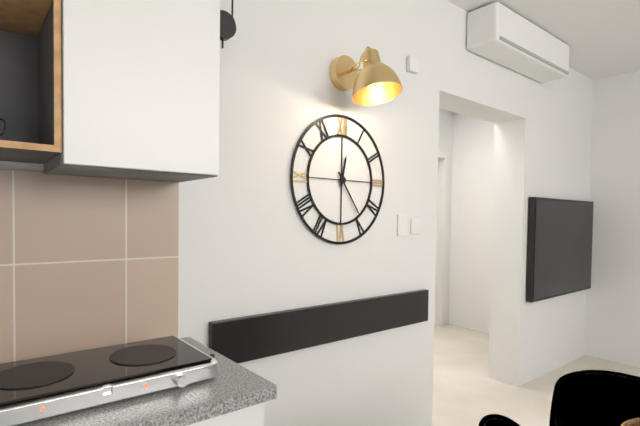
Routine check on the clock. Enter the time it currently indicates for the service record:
12:24
